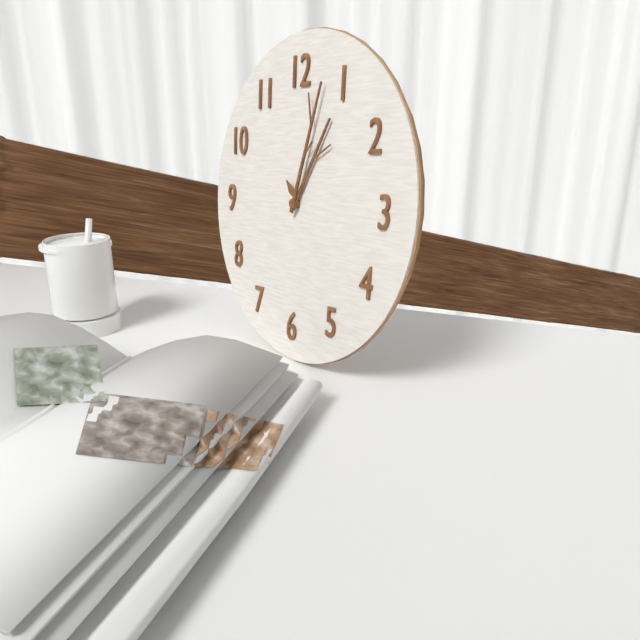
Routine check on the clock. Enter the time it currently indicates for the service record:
1:03
